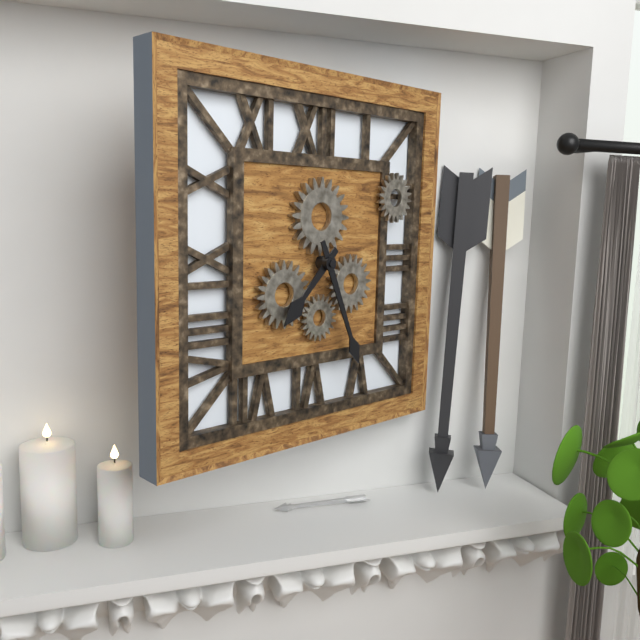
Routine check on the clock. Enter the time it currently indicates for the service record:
7:26
